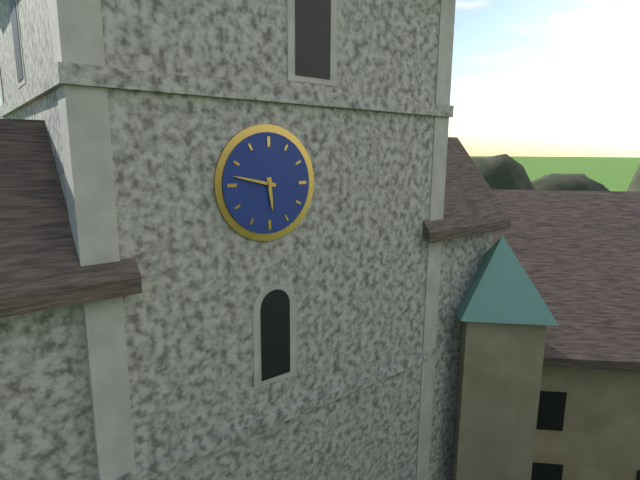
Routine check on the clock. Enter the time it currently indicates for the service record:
5:47
